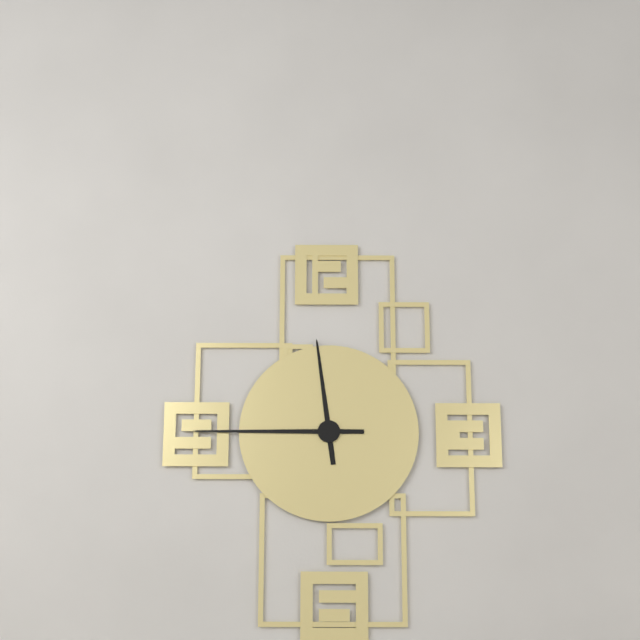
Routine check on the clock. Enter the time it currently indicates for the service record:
11:45
